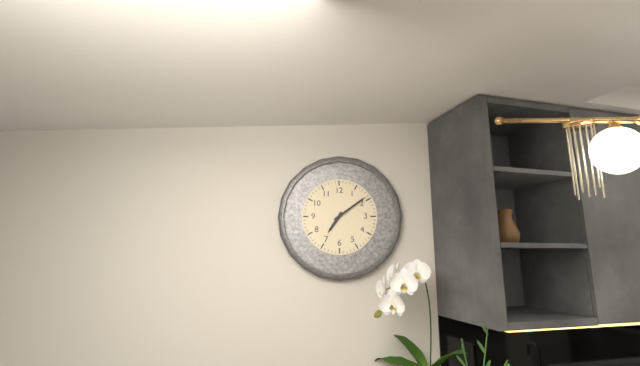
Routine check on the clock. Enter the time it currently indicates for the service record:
7:09
